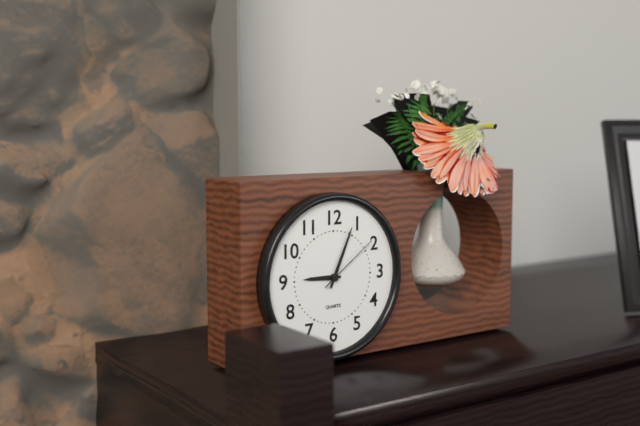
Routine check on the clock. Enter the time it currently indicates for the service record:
9:04:09
